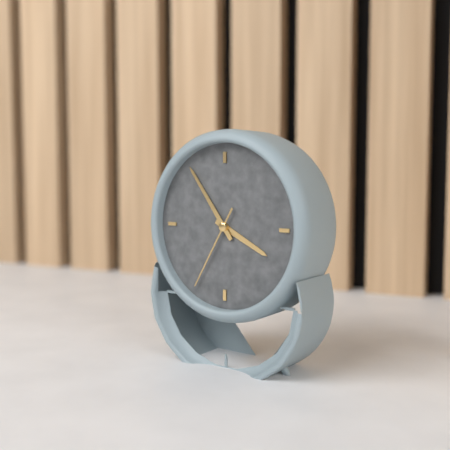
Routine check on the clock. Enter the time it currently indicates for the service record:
3:54:35
